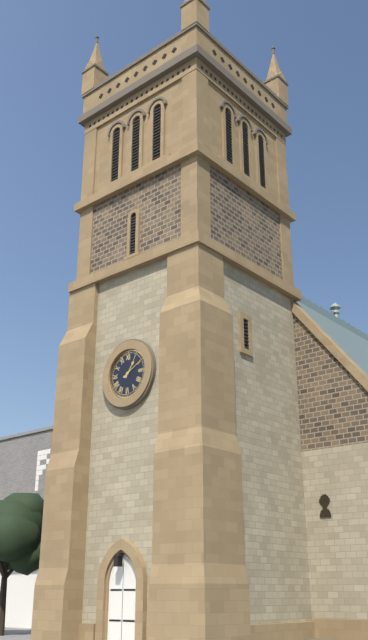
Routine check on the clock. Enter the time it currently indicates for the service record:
1:10
